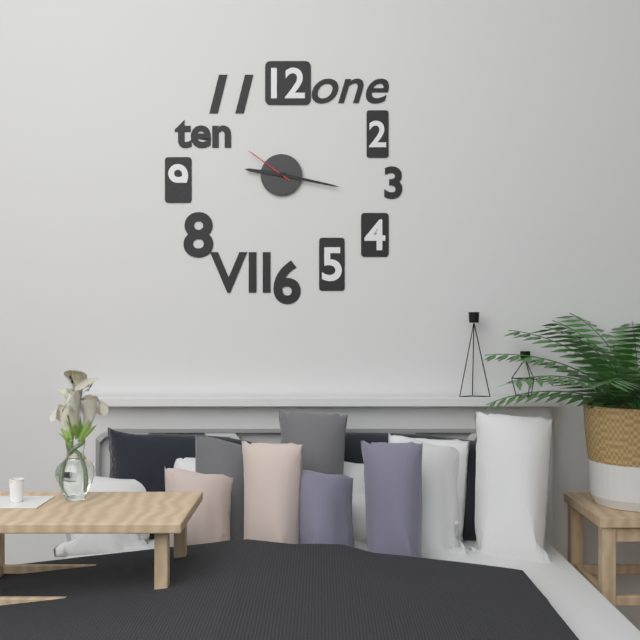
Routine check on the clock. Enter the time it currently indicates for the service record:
9:17:51
